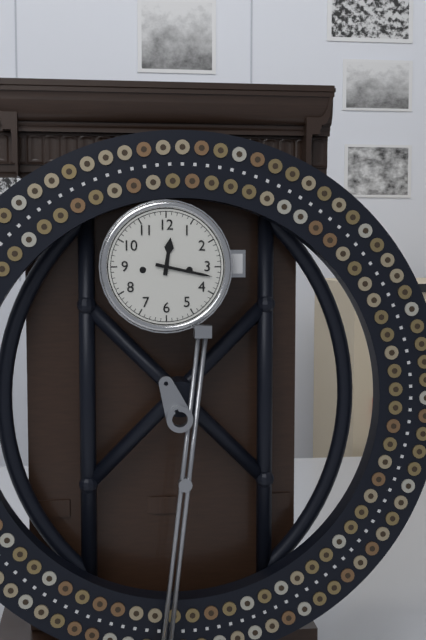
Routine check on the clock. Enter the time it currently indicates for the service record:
12:17
